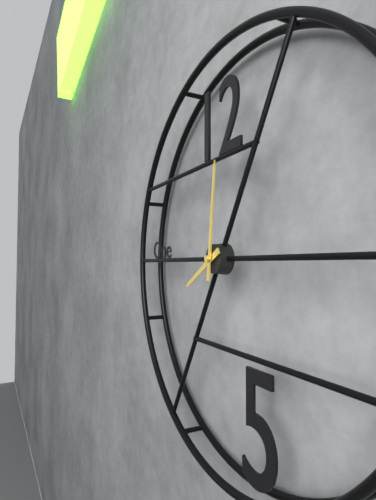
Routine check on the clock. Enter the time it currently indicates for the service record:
8:01
